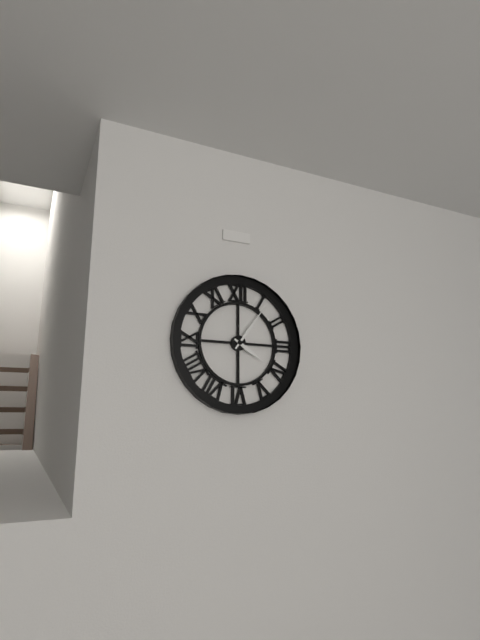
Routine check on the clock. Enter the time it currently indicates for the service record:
4:06
